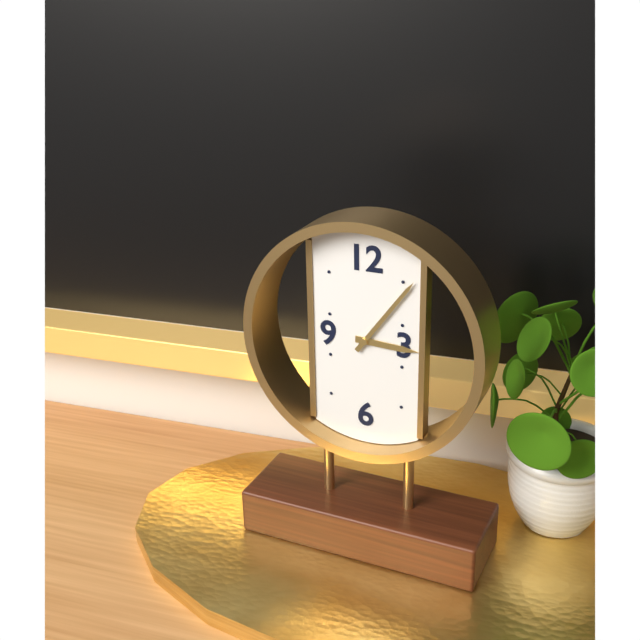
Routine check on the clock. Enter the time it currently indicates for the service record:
3:06
